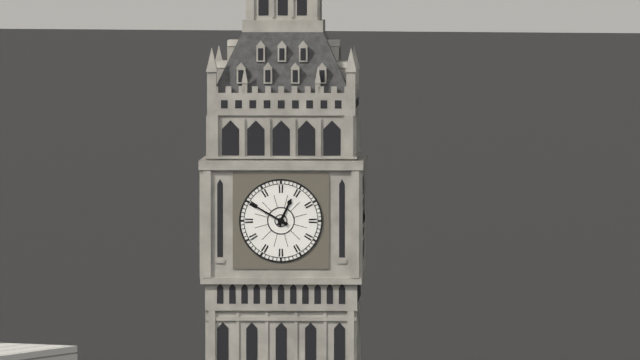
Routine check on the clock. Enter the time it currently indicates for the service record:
12:50
